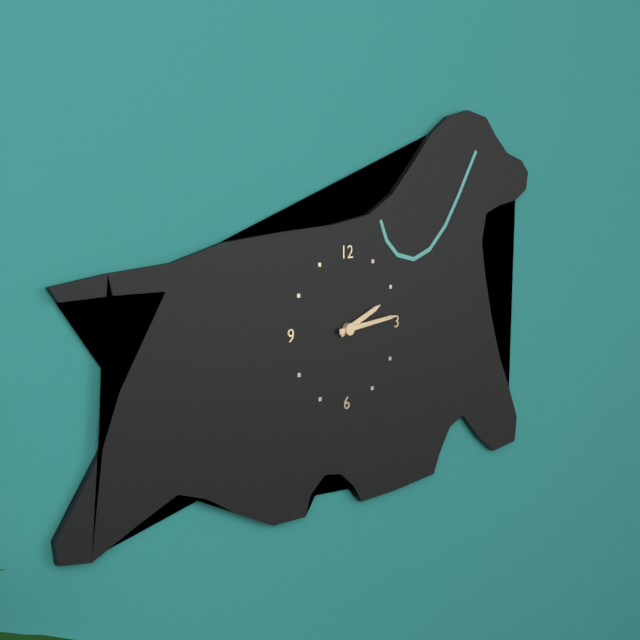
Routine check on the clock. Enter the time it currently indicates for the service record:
2:14
